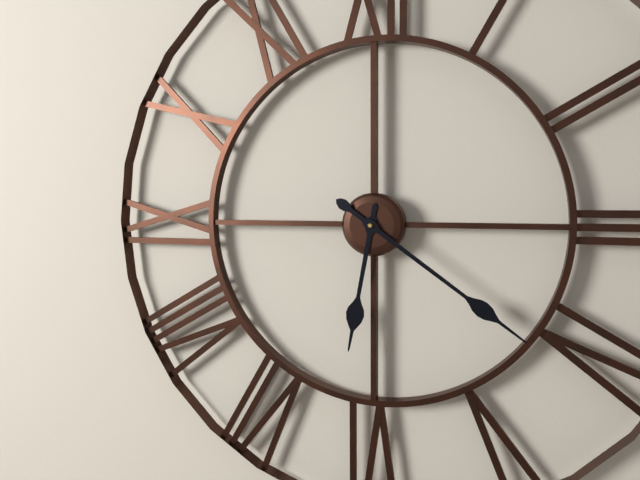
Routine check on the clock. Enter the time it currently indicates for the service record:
6:21
